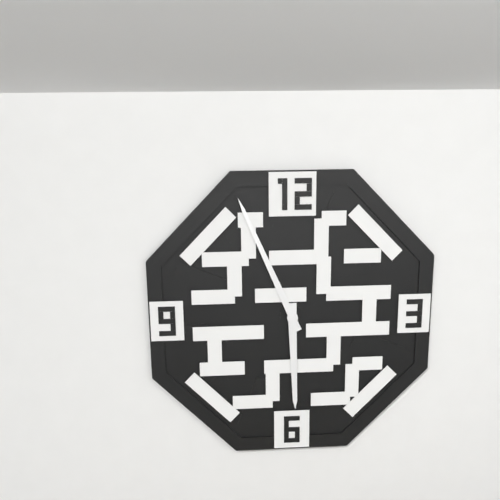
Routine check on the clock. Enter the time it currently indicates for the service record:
5:56
